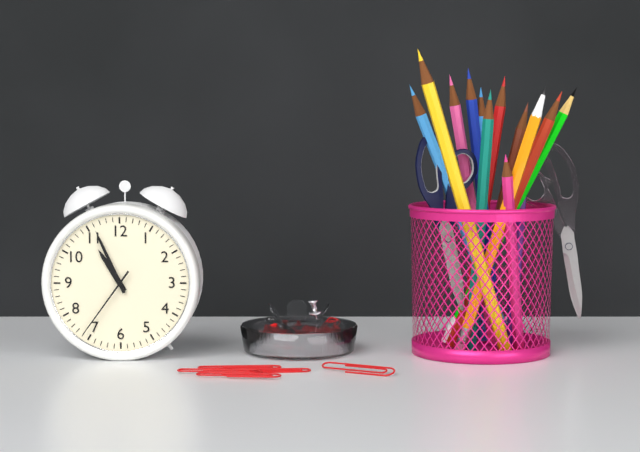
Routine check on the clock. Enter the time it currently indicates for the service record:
10:56:36
